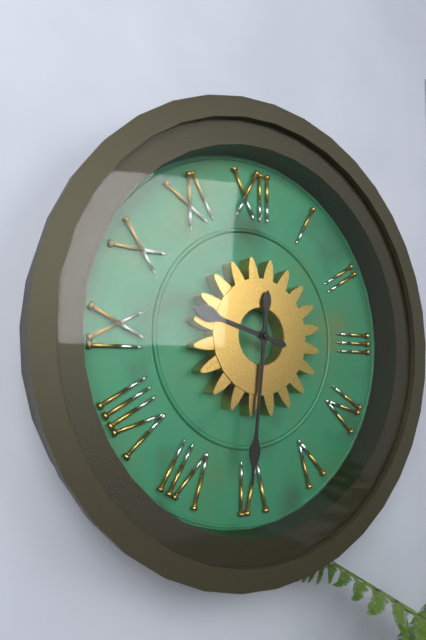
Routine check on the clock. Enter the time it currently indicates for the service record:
9:31
